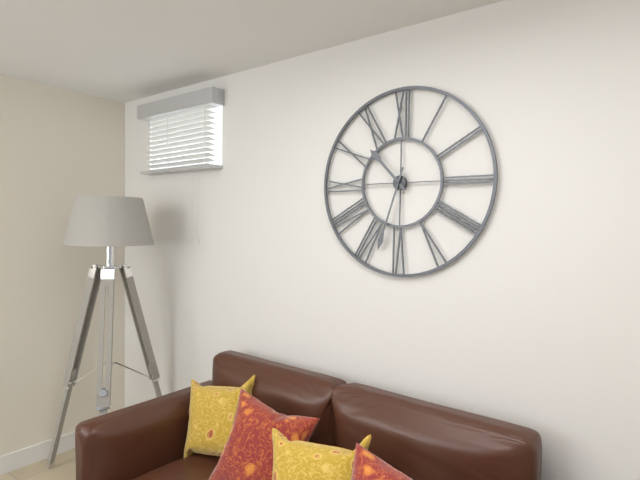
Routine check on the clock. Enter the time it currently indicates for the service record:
10:33
